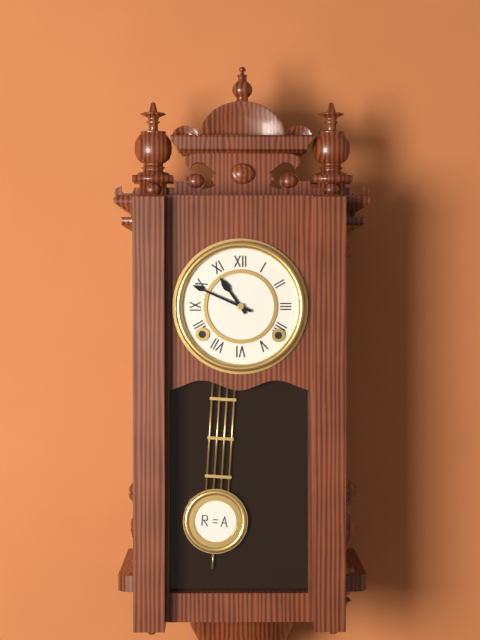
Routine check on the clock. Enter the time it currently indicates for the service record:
10:49
